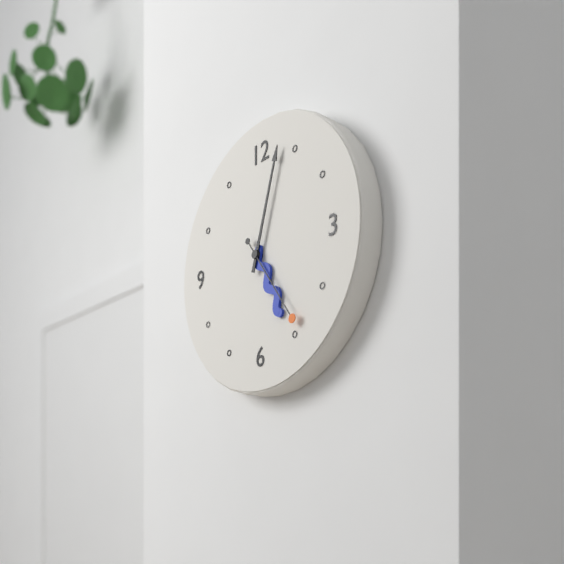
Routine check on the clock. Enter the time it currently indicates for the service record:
5:03:24
